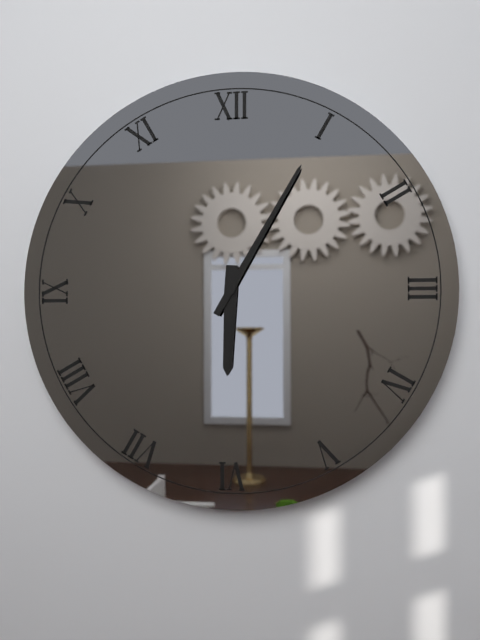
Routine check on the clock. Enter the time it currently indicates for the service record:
6:05
